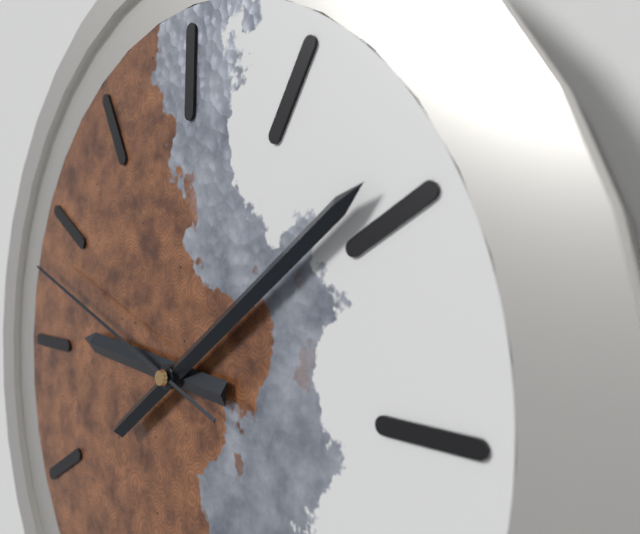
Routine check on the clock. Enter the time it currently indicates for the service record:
9:09:48
